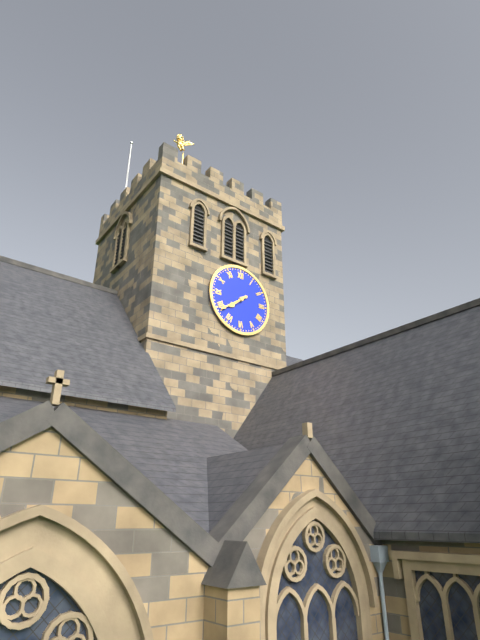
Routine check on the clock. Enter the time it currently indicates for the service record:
7:39
